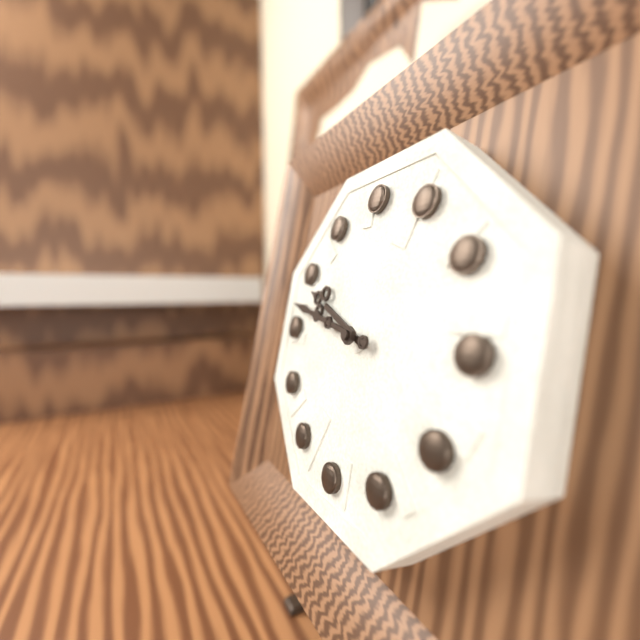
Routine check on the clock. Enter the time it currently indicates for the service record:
9:47
